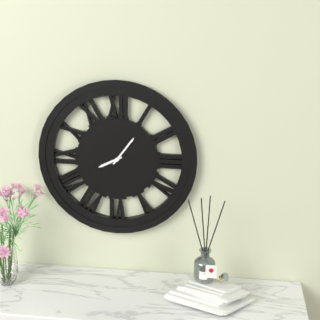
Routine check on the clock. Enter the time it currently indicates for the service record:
8:06
